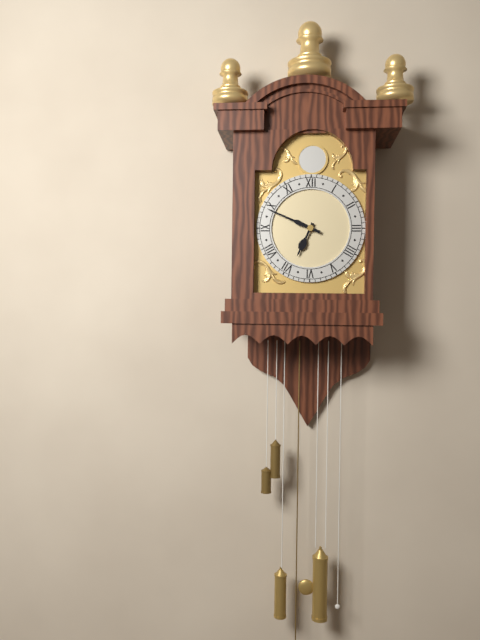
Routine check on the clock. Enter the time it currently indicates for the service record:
6:49
